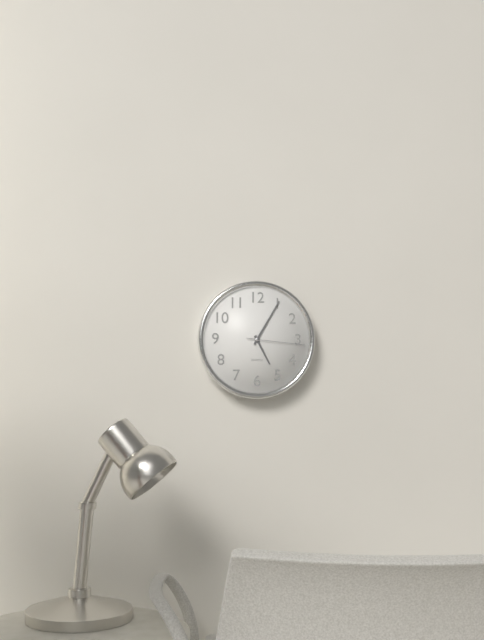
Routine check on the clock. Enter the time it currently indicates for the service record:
5:05:16
